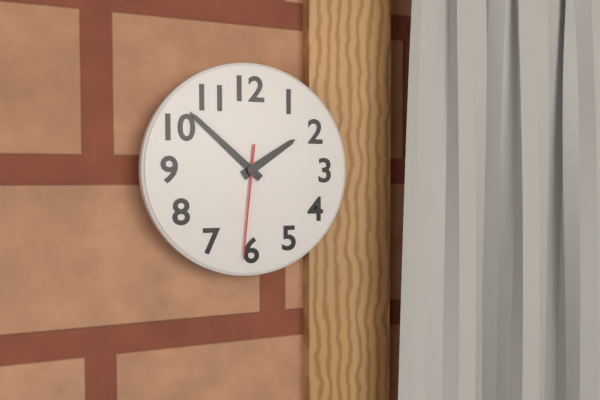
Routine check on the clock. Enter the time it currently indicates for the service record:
1:52:31
